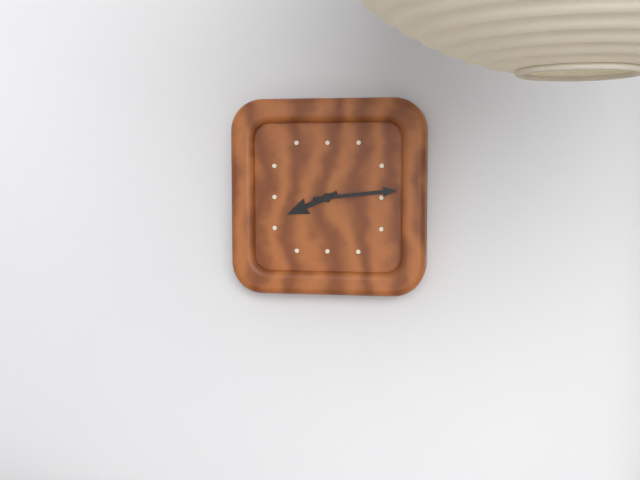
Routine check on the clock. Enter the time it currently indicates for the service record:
8:14
